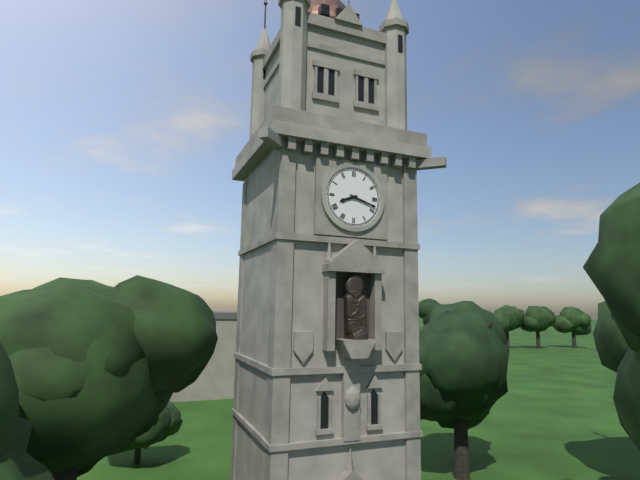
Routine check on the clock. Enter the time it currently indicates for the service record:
8:18
